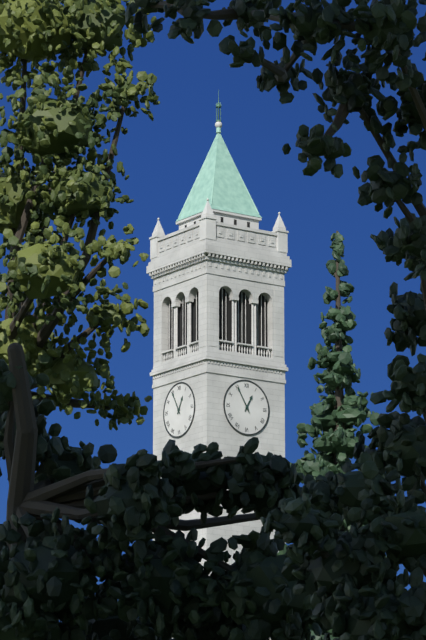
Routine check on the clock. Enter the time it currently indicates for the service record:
12:55
